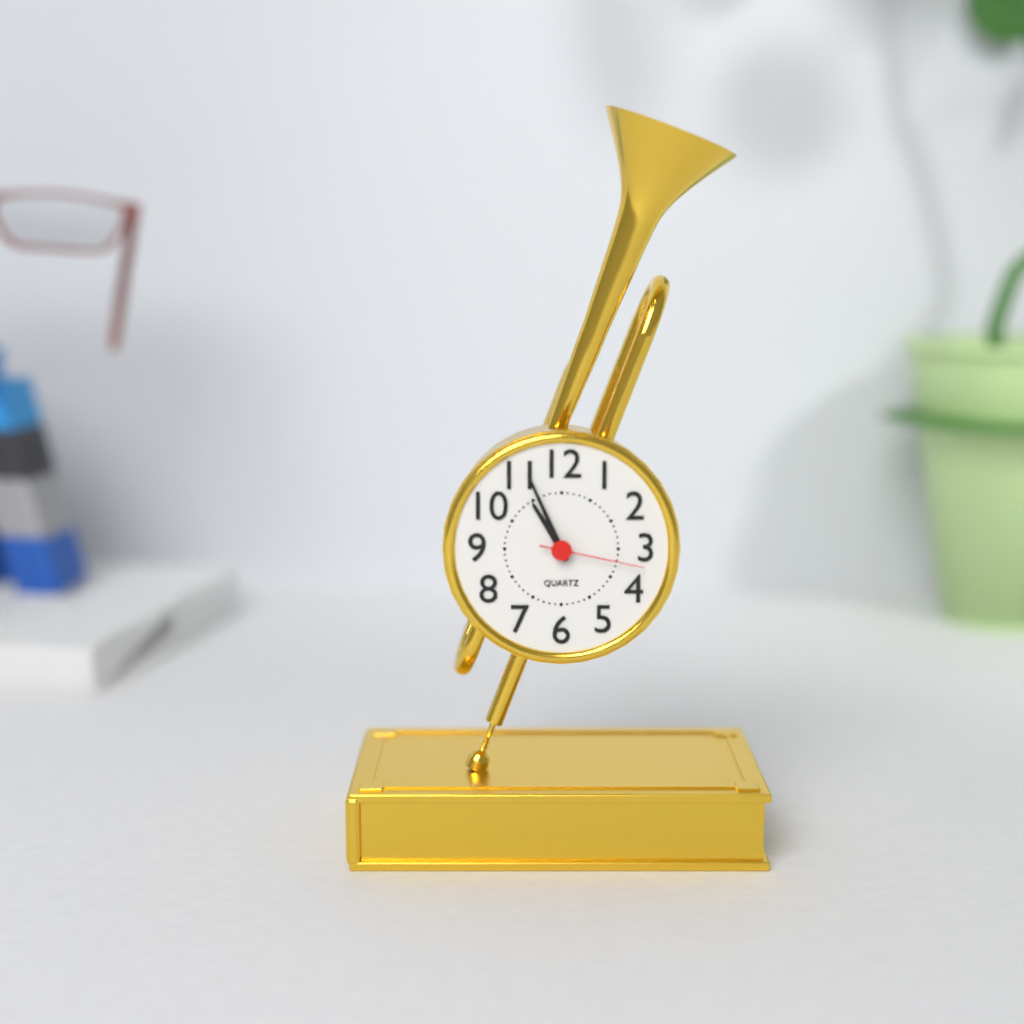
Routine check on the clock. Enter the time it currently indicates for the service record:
10:56:17
